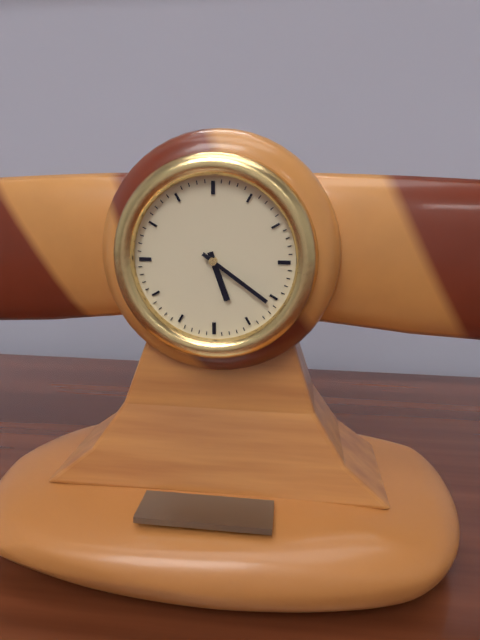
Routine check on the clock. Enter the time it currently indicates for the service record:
5:21
